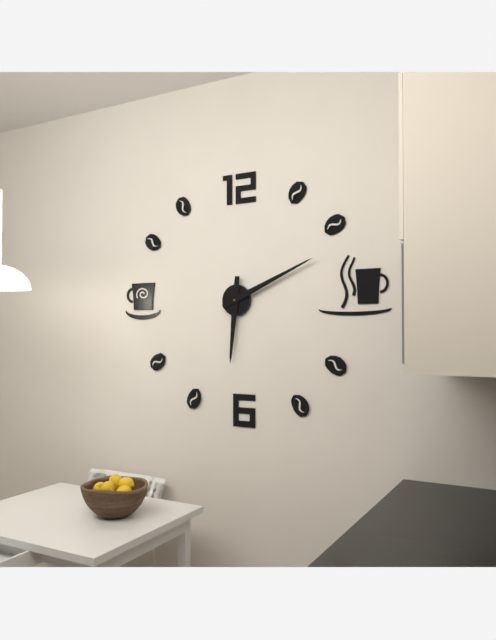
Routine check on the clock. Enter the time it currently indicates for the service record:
6:11
